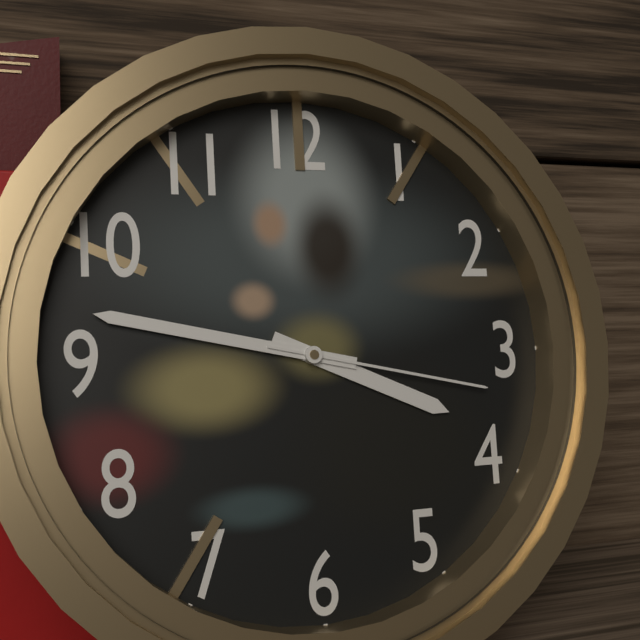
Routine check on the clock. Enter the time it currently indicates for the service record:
3:47:17
